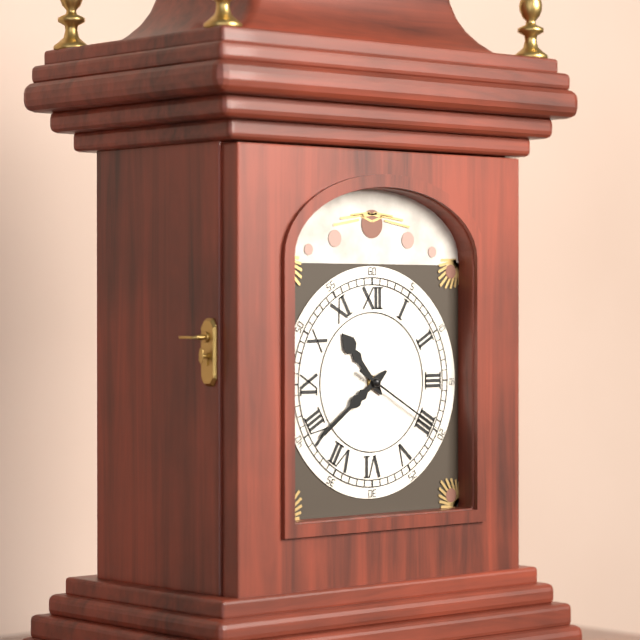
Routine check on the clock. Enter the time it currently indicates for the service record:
10:39:20
